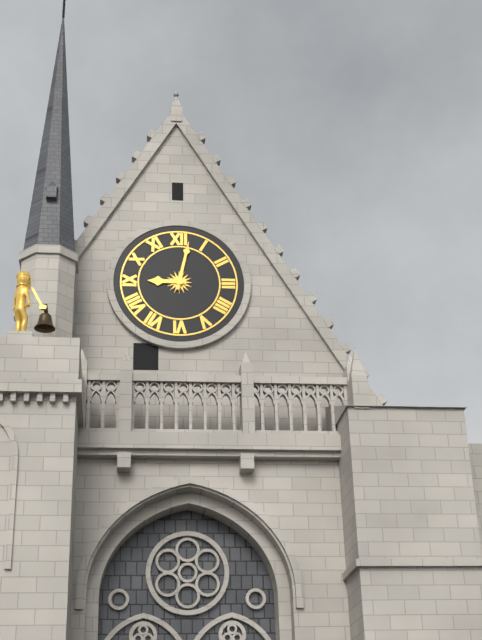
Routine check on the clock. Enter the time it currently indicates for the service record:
9:02
